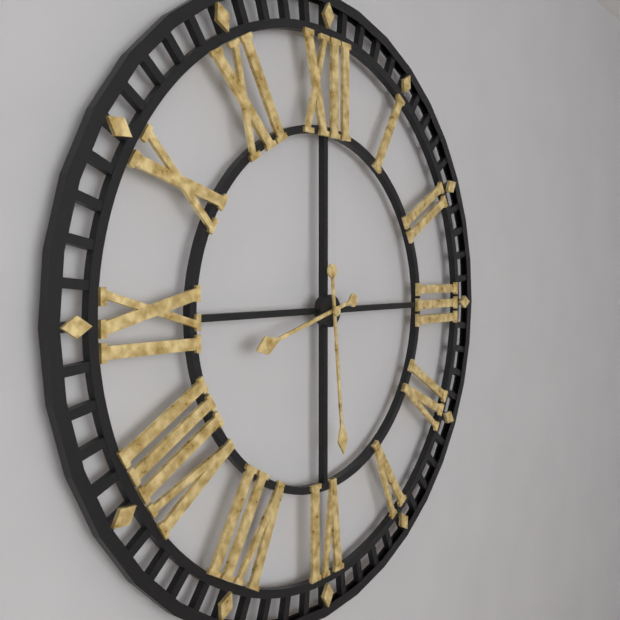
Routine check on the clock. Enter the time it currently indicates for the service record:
8:29
